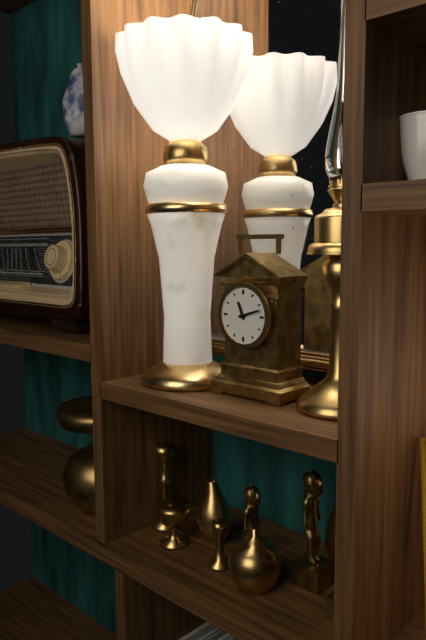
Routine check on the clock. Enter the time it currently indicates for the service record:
11:12
